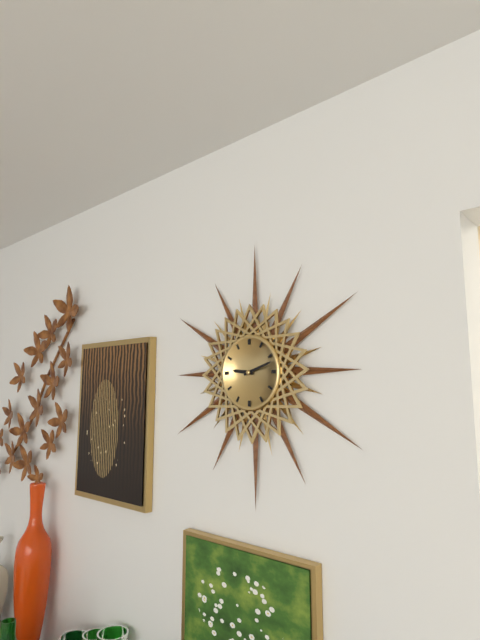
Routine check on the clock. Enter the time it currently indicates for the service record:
9:12
